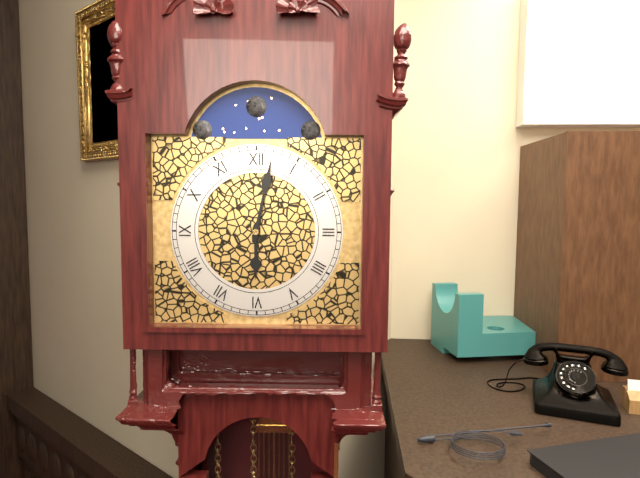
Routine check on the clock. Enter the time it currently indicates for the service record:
6:02
